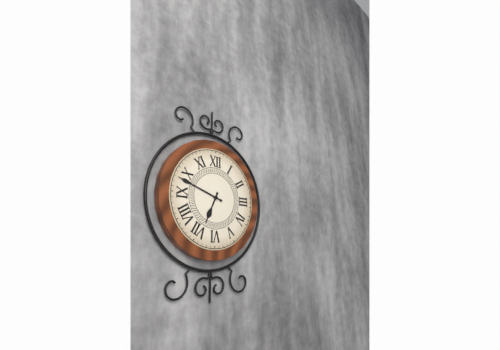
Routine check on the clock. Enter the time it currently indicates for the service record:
6:48
